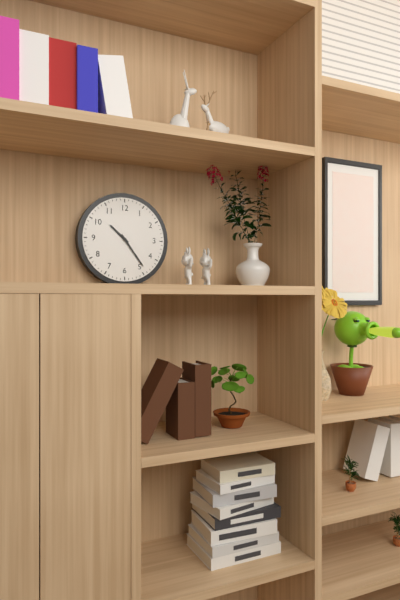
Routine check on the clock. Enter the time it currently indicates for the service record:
10:24
